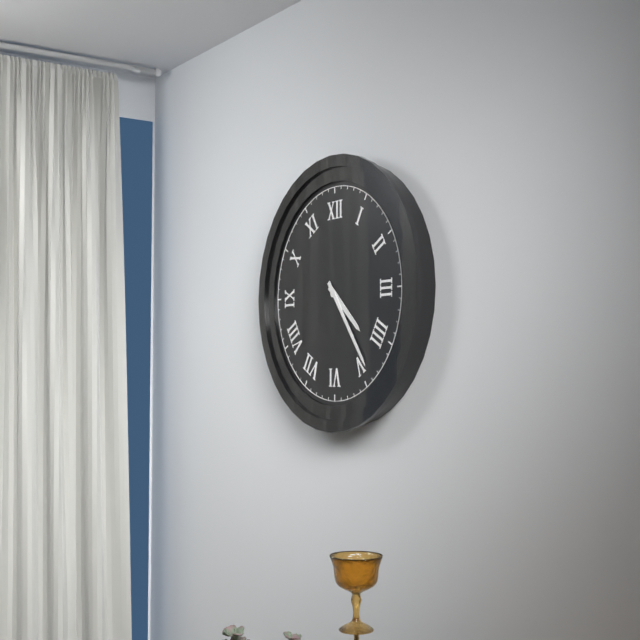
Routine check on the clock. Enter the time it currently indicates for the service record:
4:24
